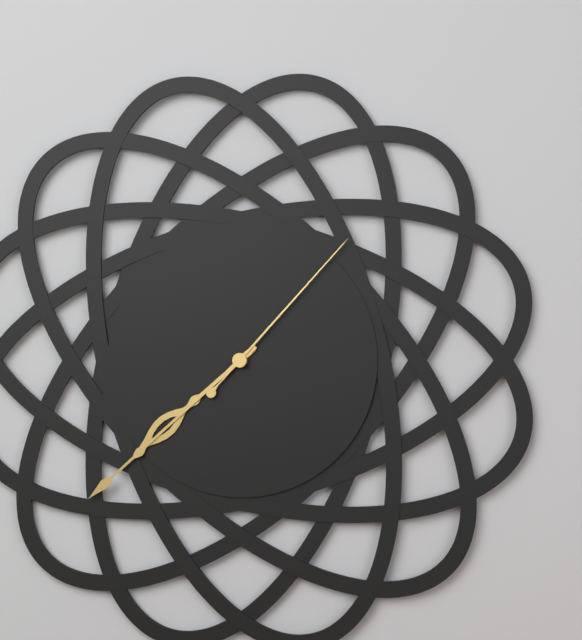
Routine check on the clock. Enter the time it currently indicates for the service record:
7:38:07
